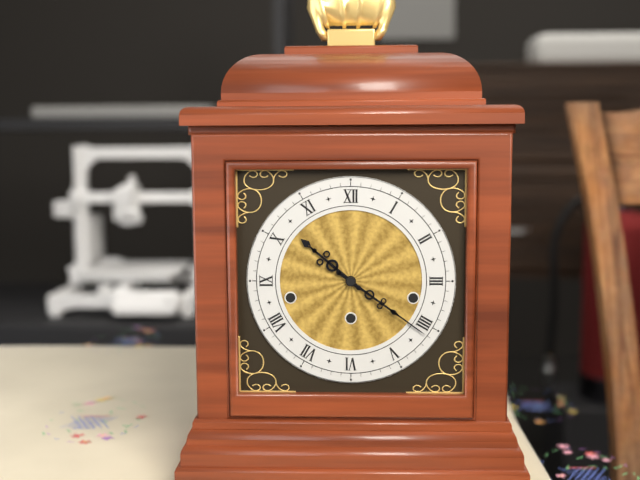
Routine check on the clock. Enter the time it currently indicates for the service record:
10:21
